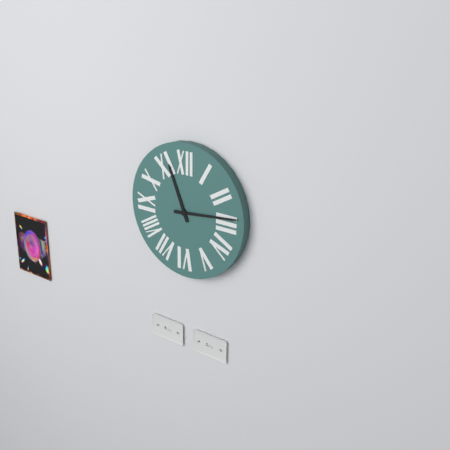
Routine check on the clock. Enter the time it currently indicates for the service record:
11:14
